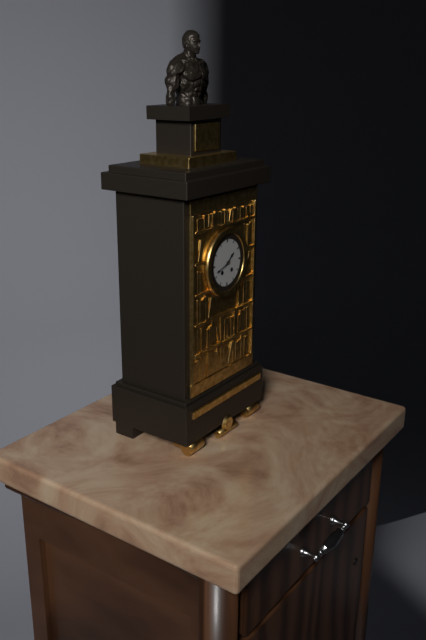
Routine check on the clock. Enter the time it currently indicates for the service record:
1:42
